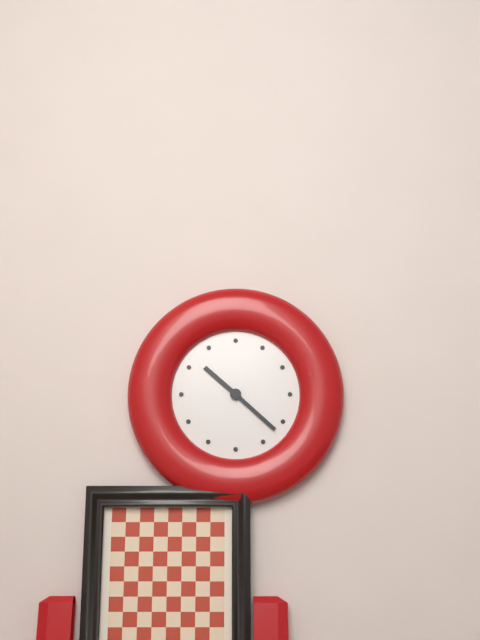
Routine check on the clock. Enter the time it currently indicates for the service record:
10:22
